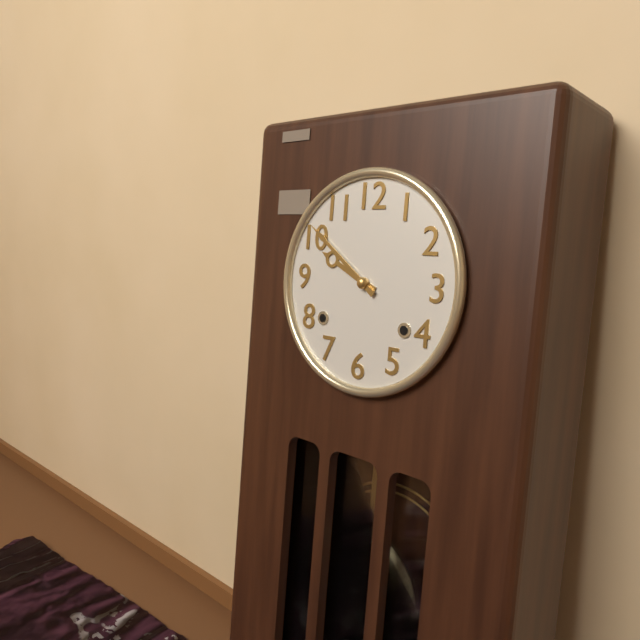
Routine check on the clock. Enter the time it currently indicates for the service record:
9:51
